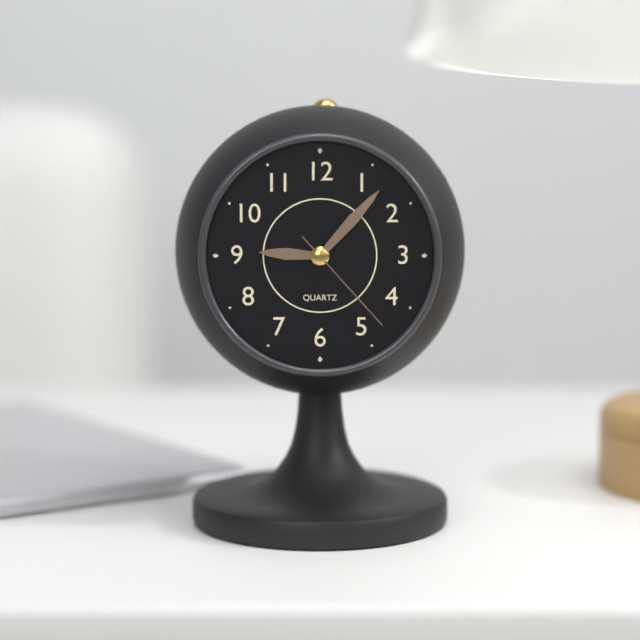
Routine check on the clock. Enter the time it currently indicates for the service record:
9:07:23
